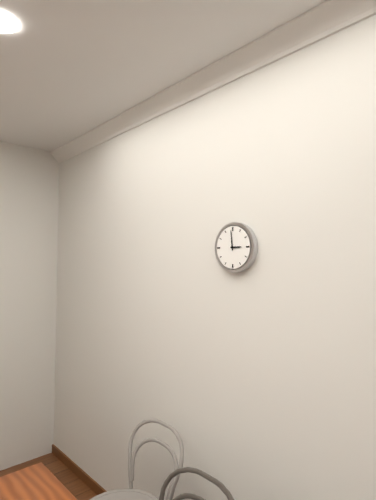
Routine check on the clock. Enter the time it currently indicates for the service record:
2:59
